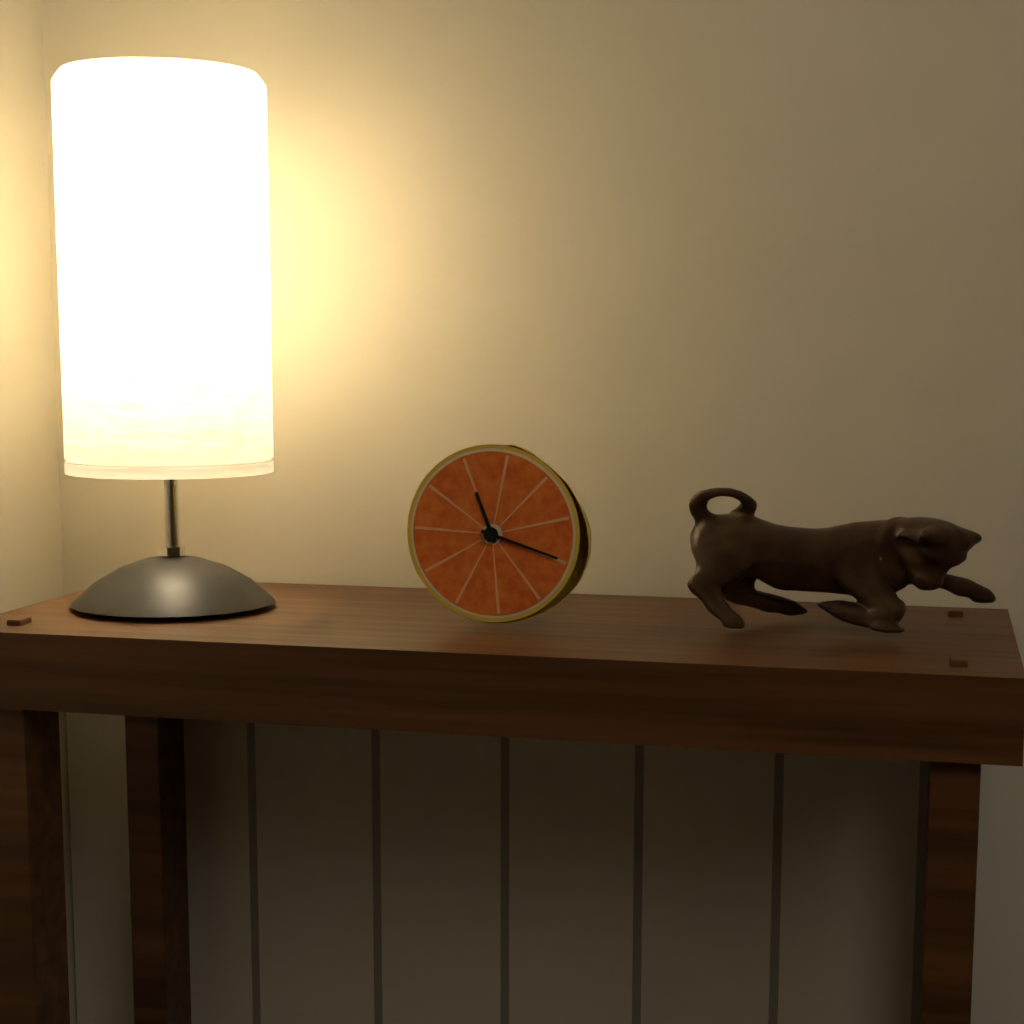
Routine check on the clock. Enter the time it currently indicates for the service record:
11:18
